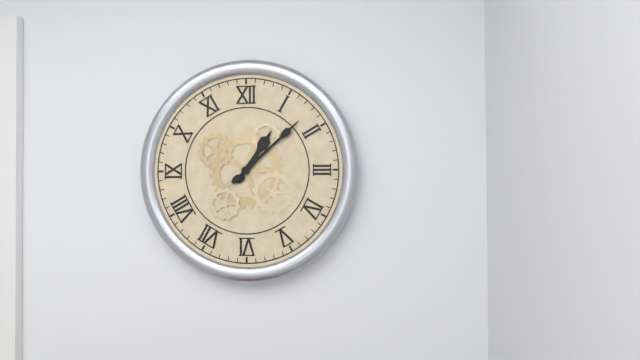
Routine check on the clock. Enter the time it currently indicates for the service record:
1:08
